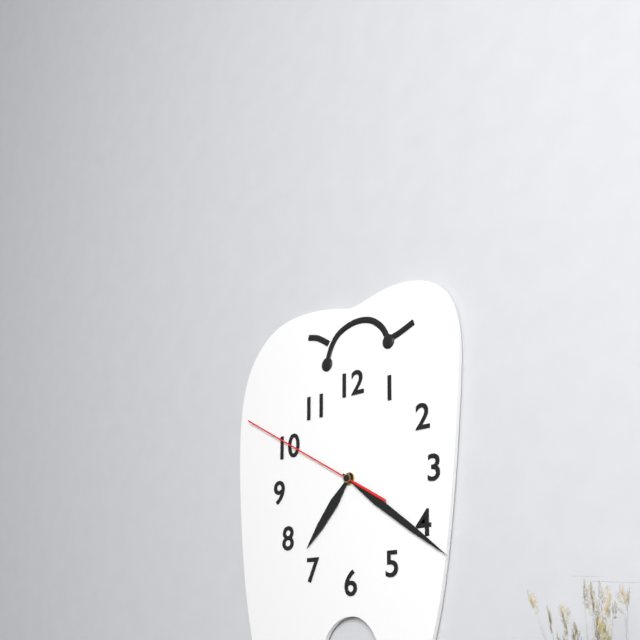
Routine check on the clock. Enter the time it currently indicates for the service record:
7:21:50
